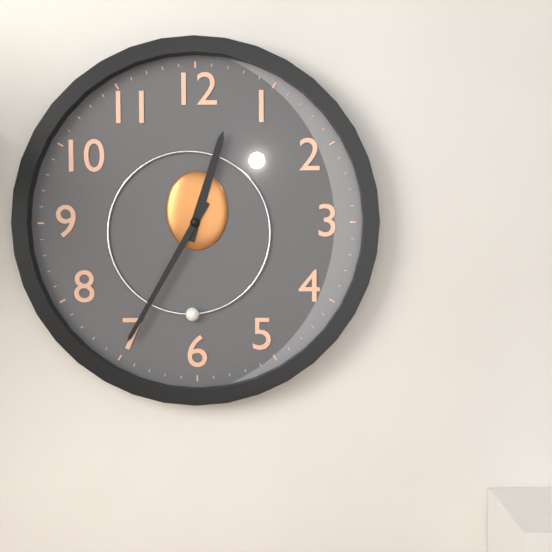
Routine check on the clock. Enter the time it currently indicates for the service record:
12:35
